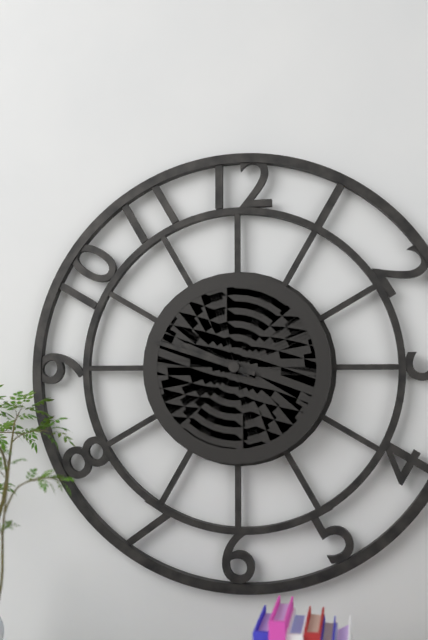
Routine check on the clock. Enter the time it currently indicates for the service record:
9:48
